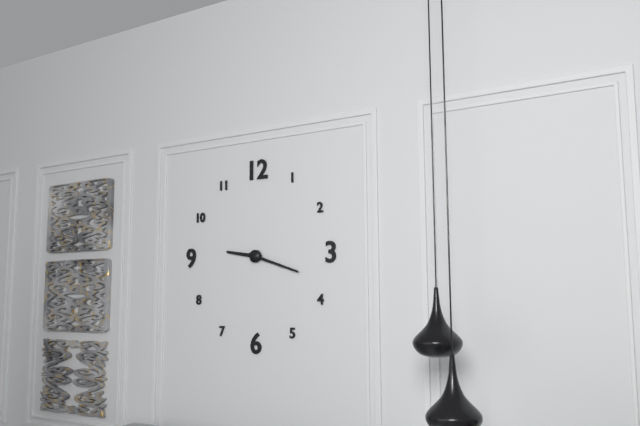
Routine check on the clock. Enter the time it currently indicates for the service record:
9:18
